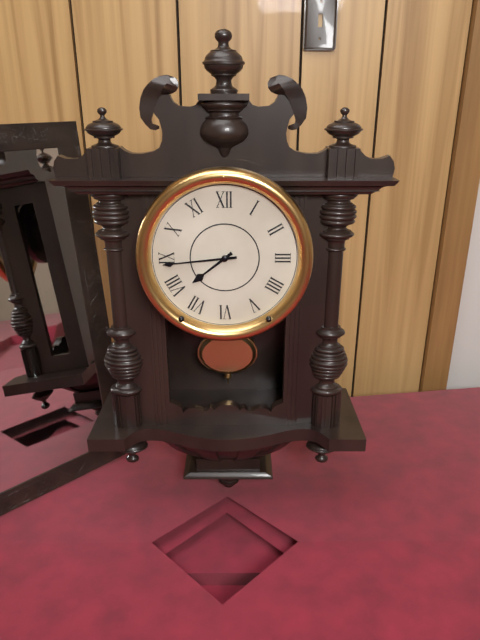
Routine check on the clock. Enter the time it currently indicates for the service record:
7:44
